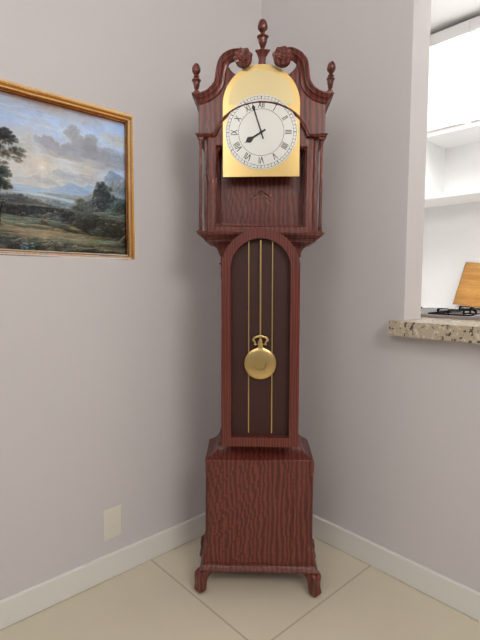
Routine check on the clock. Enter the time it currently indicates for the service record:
7:57
